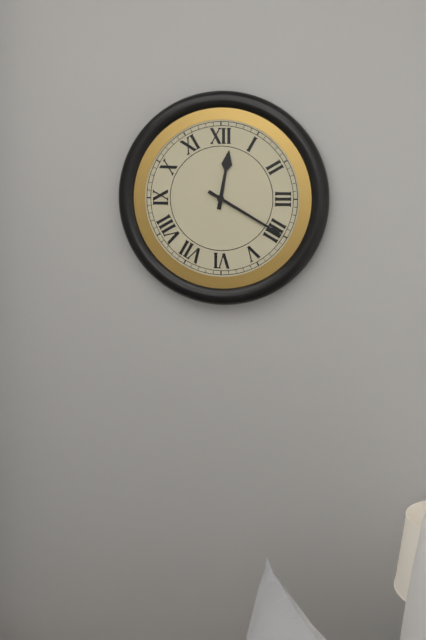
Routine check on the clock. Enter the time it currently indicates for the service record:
12:20
